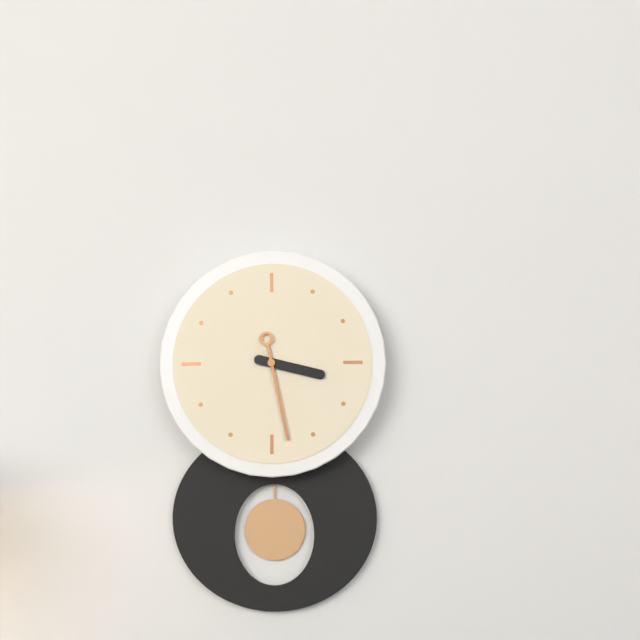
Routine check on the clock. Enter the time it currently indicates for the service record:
3:28
